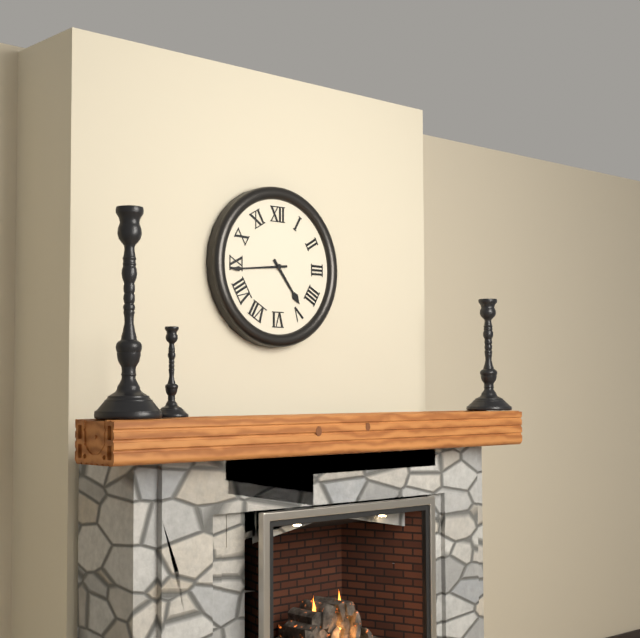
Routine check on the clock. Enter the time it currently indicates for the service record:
4:44
